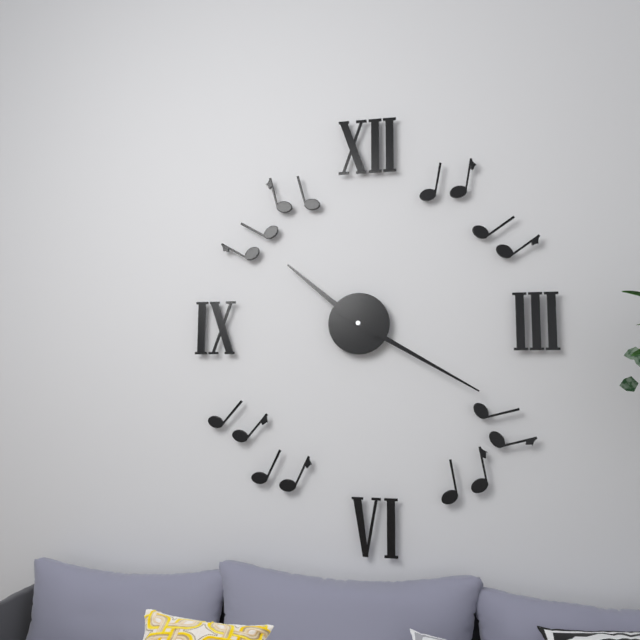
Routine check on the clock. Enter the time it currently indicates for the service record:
10:20
